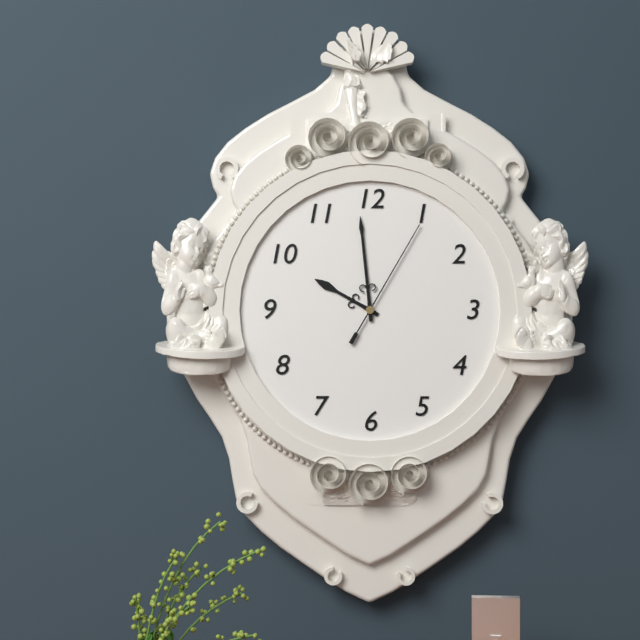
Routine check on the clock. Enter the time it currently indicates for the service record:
9:59:05
